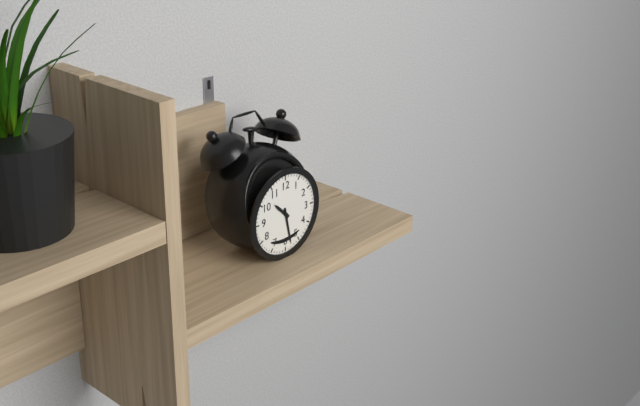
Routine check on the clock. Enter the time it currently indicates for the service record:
10:28
